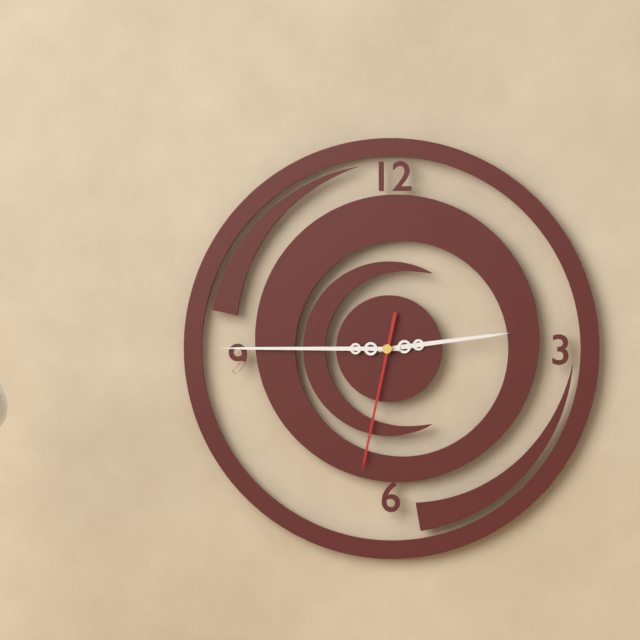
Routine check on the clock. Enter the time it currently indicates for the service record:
2:45:32
